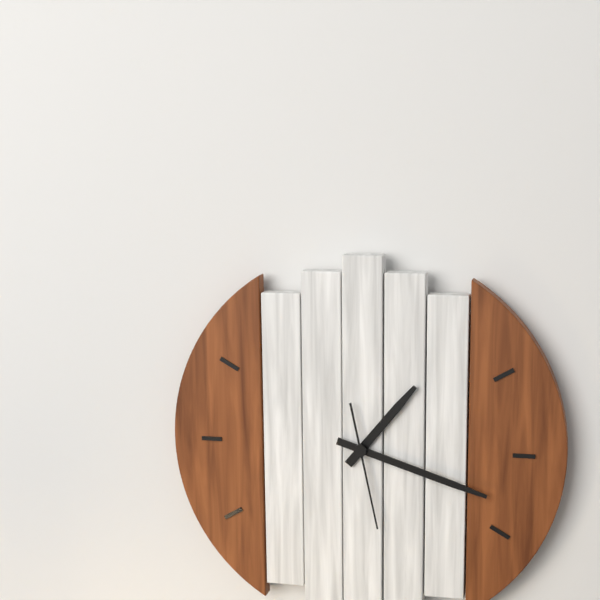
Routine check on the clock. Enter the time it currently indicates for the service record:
1:18:28
